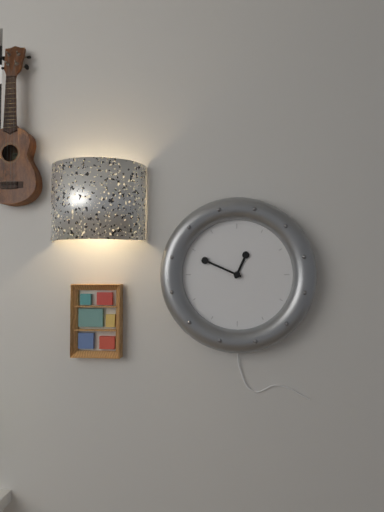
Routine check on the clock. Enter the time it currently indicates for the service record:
12:49
